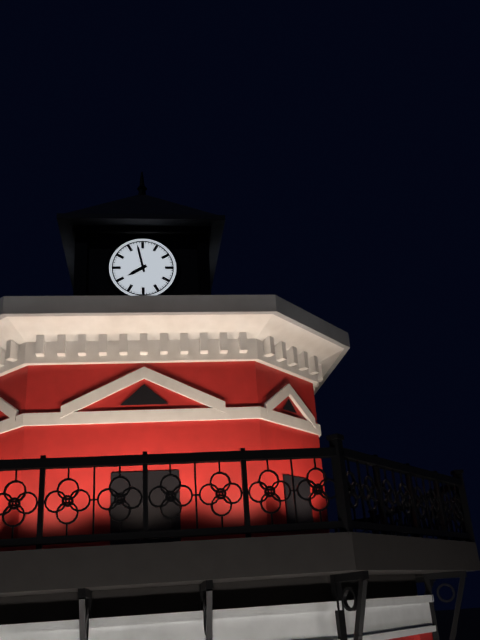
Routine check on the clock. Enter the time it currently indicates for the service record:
7:58
